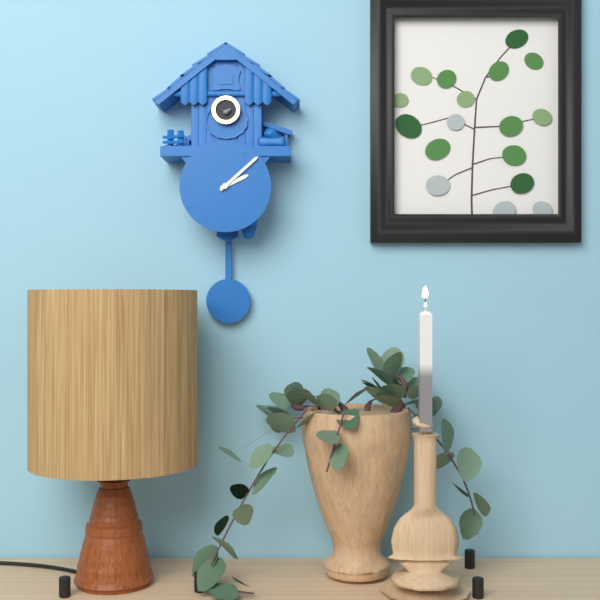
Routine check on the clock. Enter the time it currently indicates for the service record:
2:08
